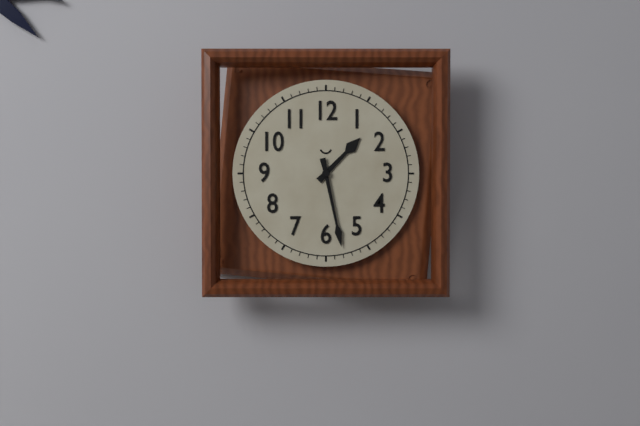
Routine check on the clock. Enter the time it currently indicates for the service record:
1:28
